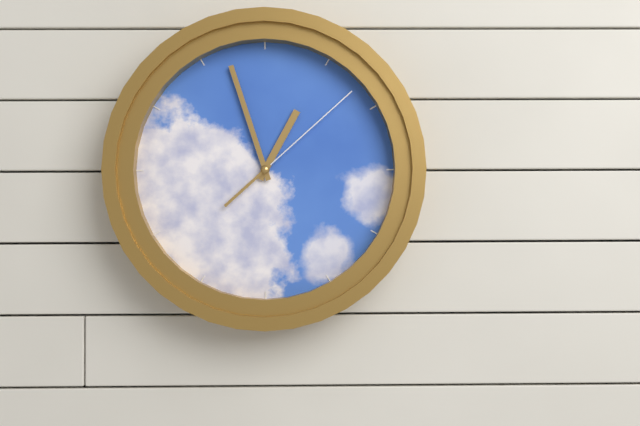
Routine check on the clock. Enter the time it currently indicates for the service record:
12:57:08
